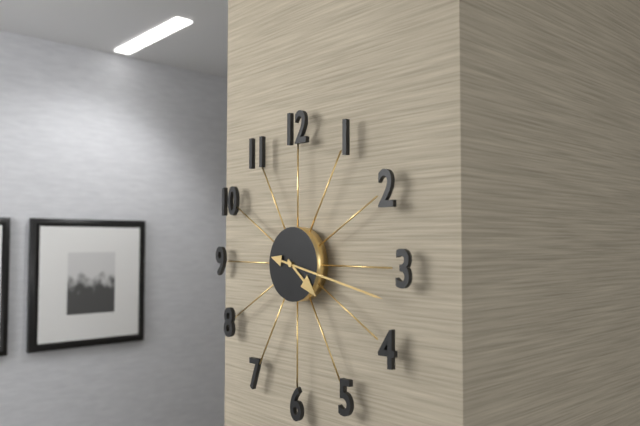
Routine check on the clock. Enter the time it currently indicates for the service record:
4:17
